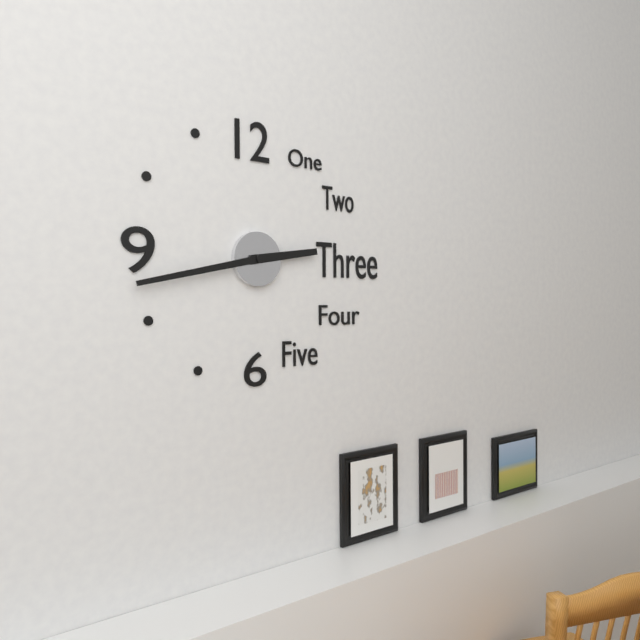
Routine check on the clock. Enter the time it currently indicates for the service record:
2:43
